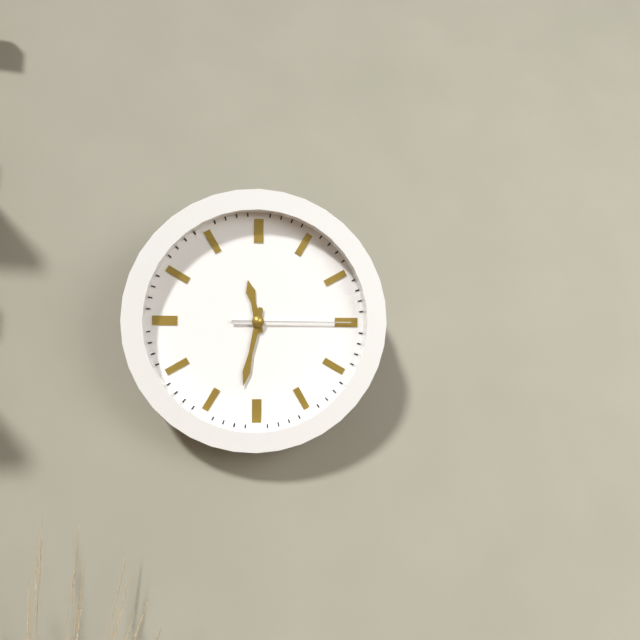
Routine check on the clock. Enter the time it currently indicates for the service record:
11:32:15
